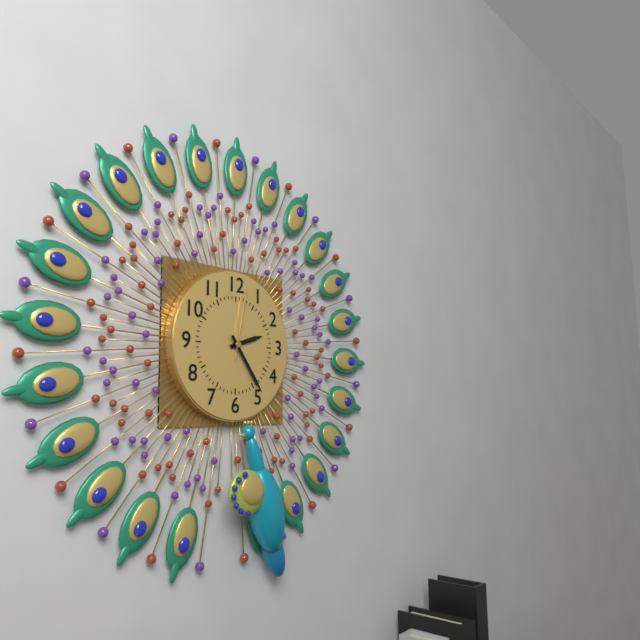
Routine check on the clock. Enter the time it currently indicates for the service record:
2:24:02
